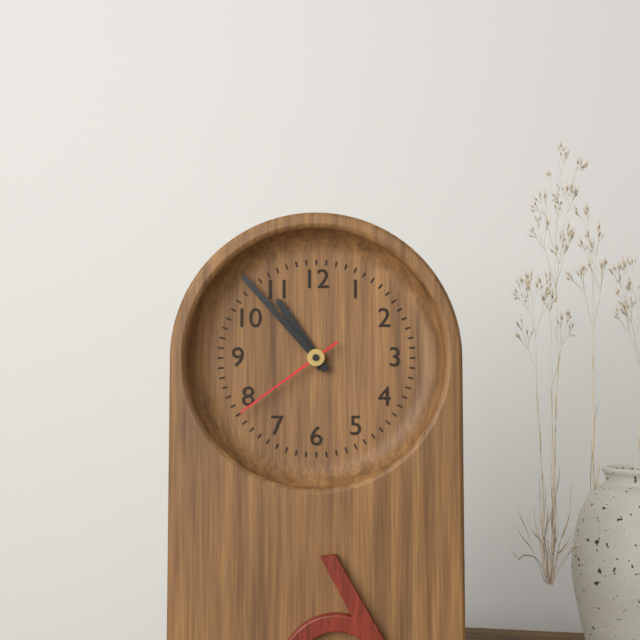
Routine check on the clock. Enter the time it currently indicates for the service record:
10:53:39
